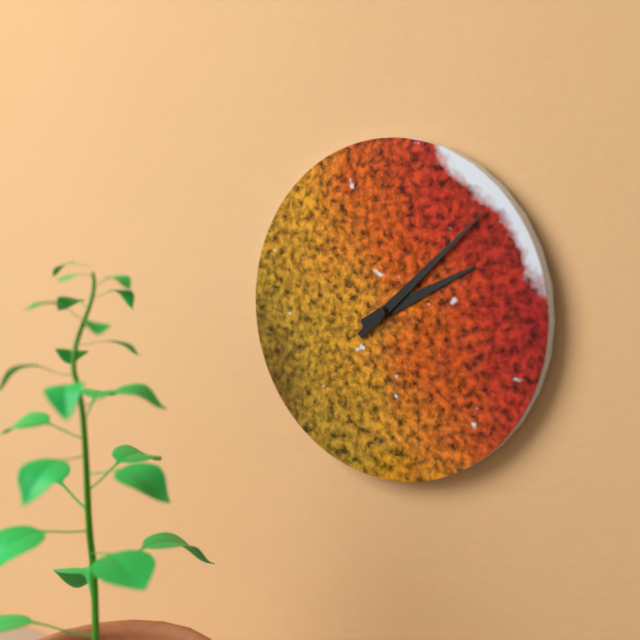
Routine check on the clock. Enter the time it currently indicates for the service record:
2:08
